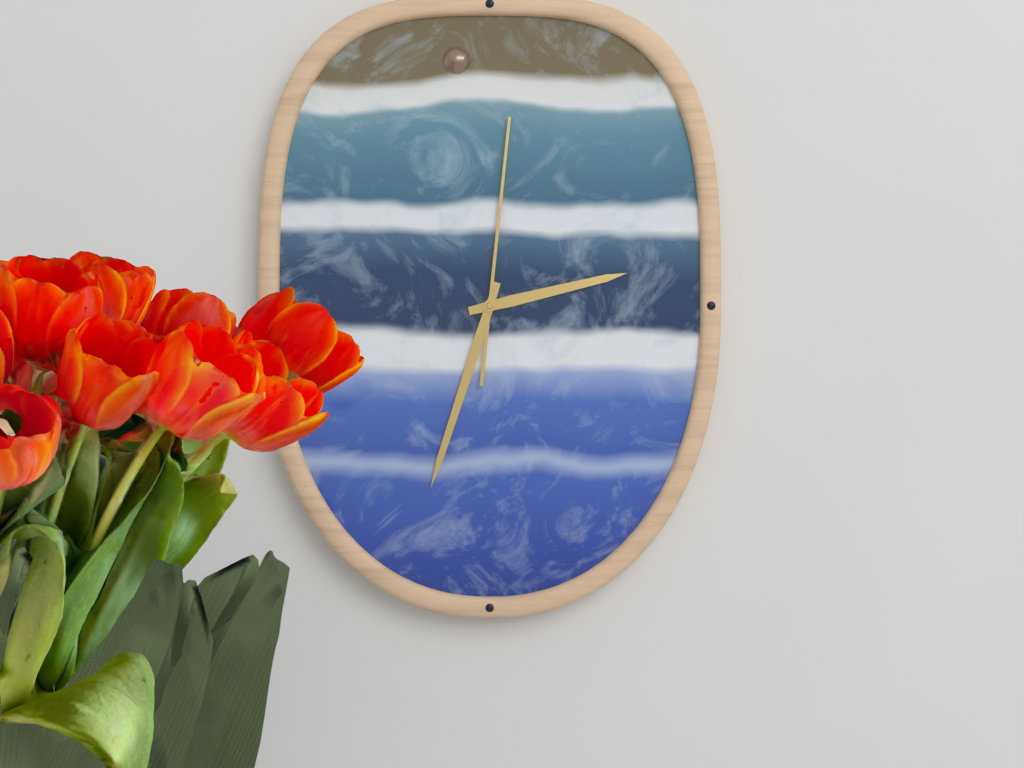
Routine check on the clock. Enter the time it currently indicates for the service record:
2:33:01
